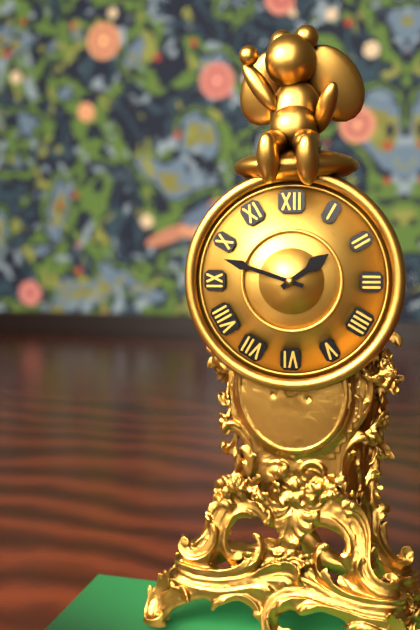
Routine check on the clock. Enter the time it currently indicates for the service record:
1:48
